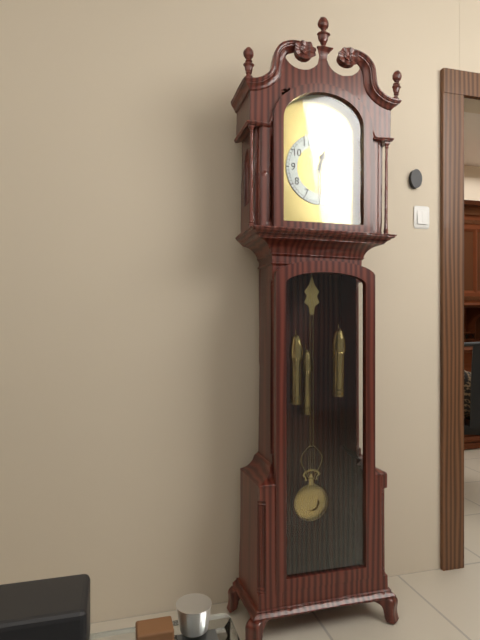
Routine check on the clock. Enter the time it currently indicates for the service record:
12:30
